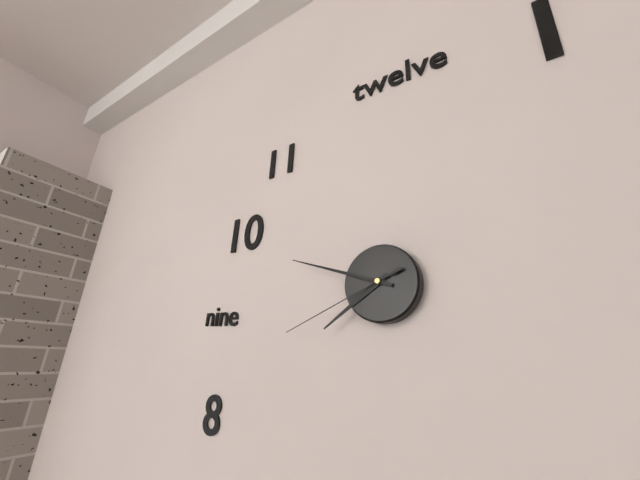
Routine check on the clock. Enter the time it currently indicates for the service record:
7:48:41
